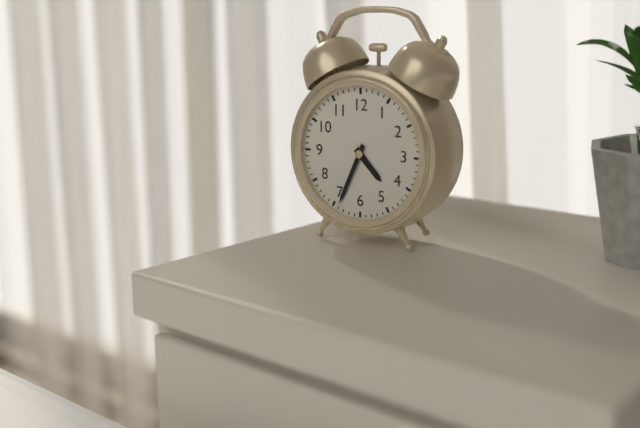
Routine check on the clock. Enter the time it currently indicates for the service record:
4:34
